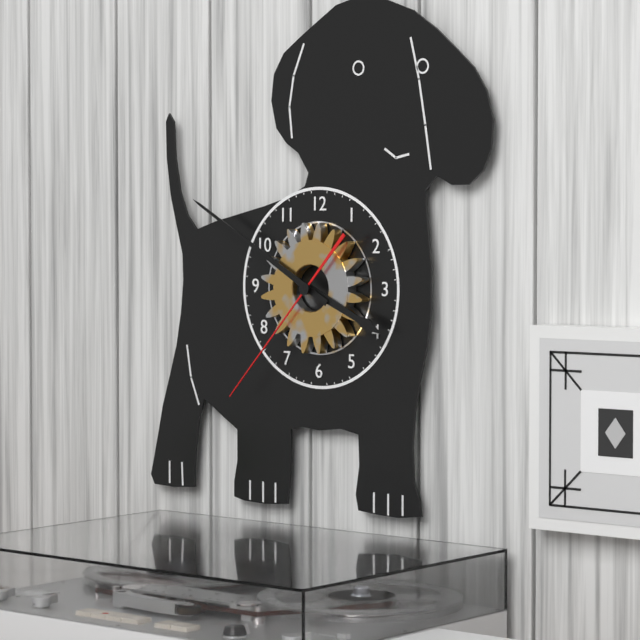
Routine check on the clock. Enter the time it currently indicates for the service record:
3:50:37
